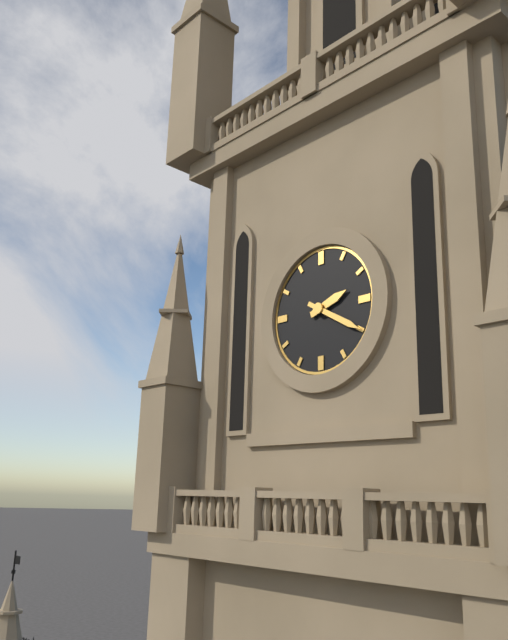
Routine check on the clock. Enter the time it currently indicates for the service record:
2:20
